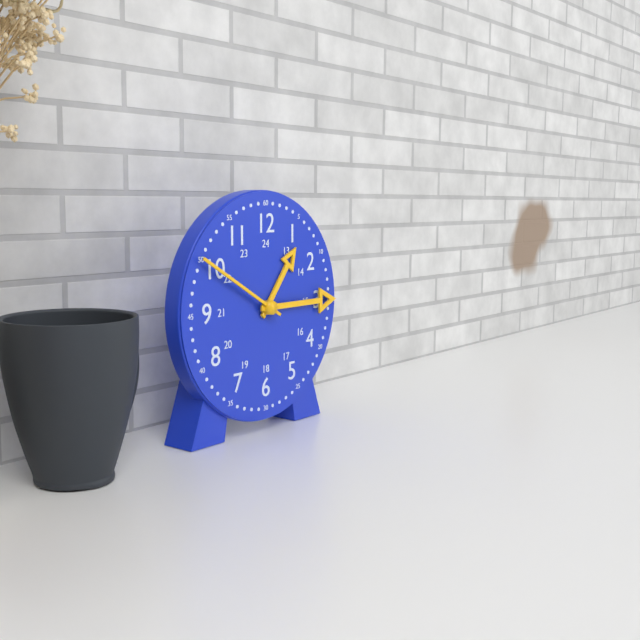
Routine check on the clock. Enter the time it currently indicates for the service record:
1:15:50
